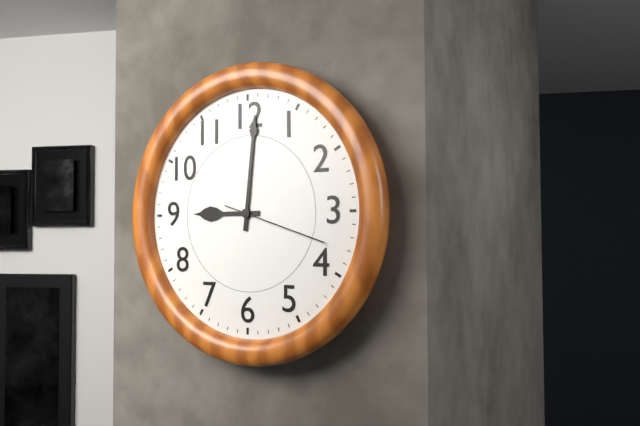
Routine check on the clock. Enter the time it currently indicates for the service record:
9:01:18
